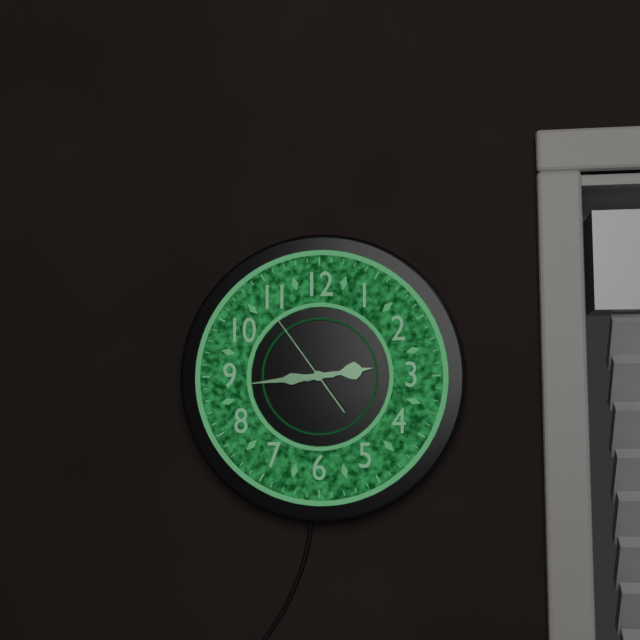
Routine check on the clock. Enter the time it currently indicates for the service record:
2:44:54
